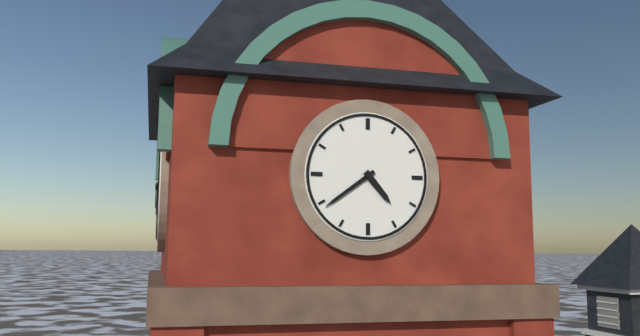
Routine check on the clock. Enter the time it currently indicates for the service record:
4:39
